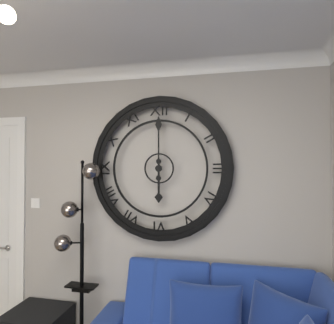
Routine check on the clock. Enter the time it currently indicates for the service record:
6:00
